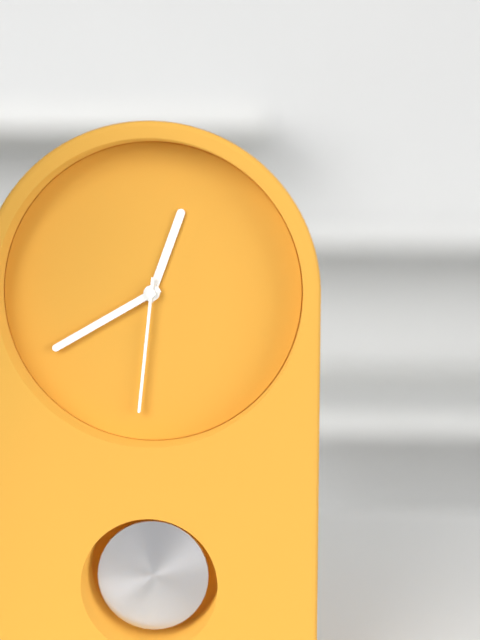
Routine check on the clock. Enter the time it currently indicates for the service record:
12:40:31
